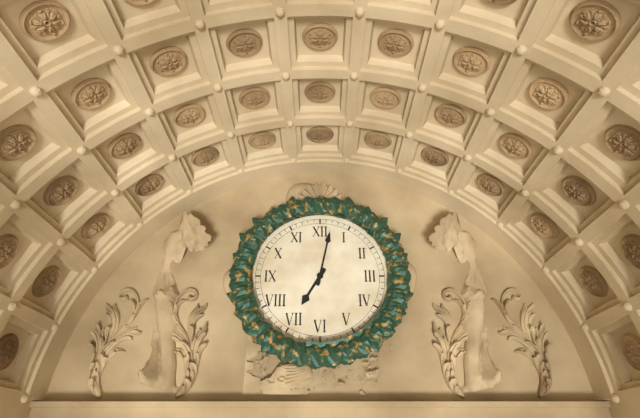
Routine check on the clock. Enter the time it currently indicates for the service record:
7:02
